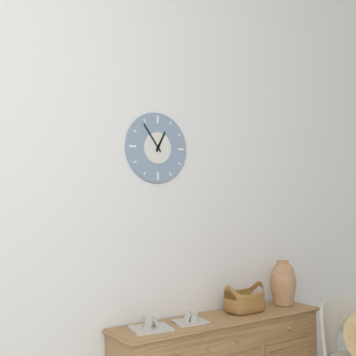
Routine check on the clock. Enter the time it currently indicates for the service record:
12:54
